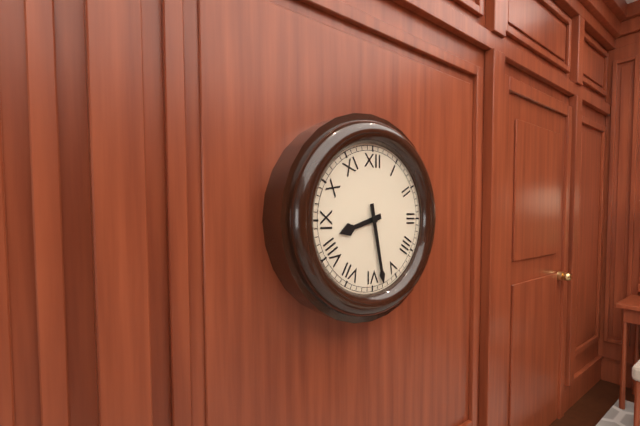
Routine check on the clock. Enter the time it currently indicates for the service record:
8:28
